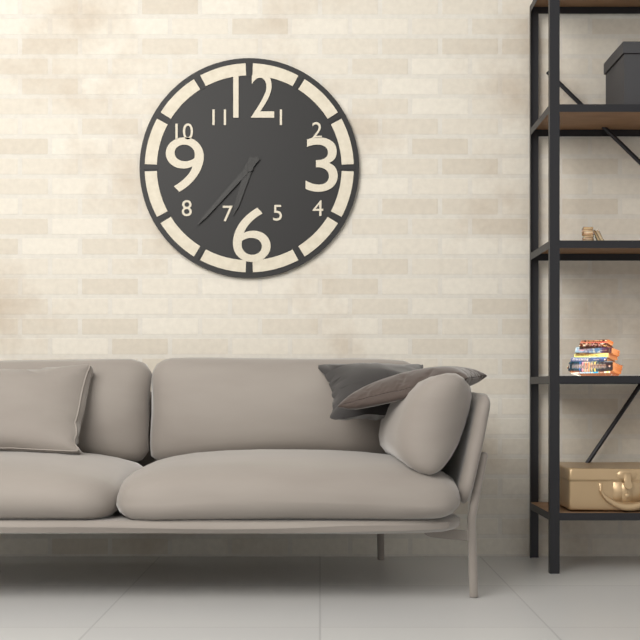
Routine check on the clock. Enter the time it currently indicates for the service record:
6:37
